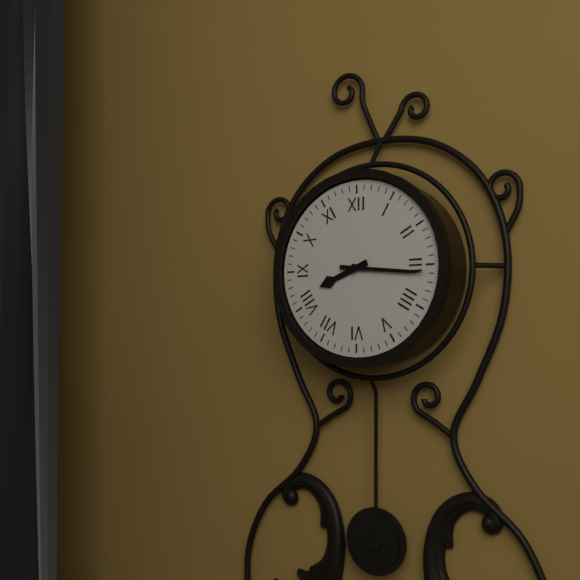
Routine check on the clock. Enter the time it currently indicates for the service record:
8:16
